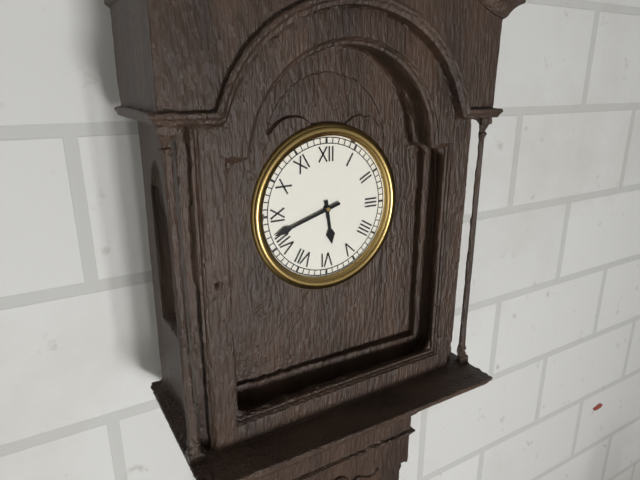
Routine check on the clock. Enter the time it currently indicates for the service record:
5:42
